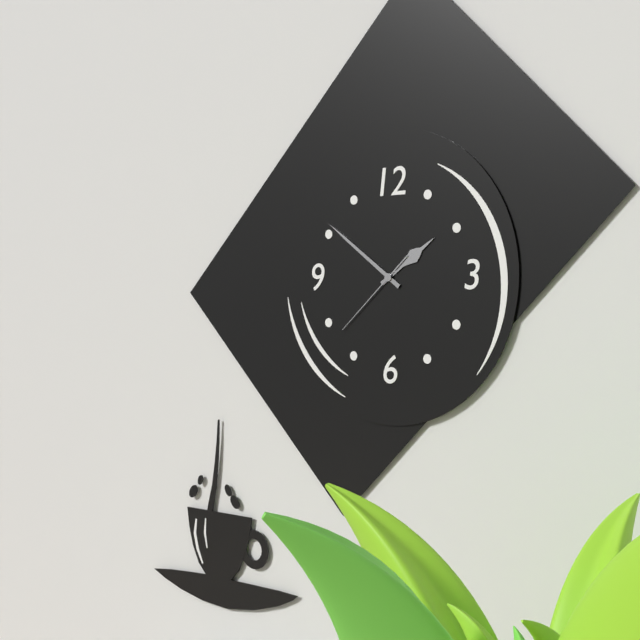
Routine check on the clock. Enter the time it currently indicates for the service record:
1:51:38
